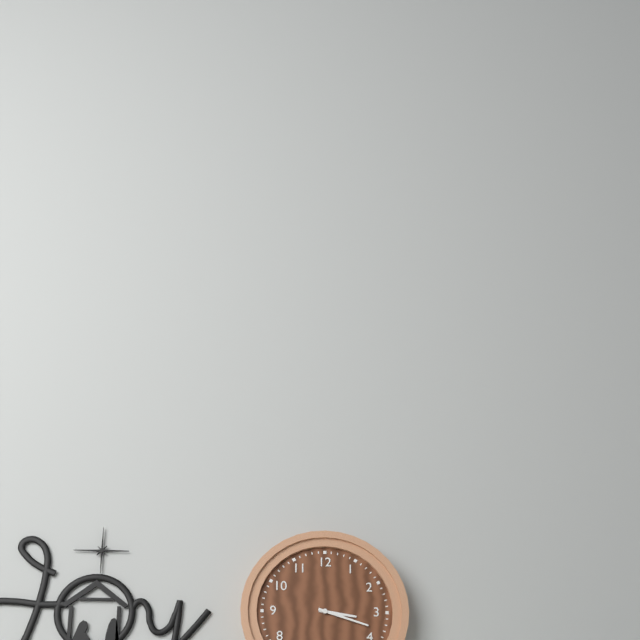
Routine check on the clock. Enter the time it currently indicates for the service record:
3:18
